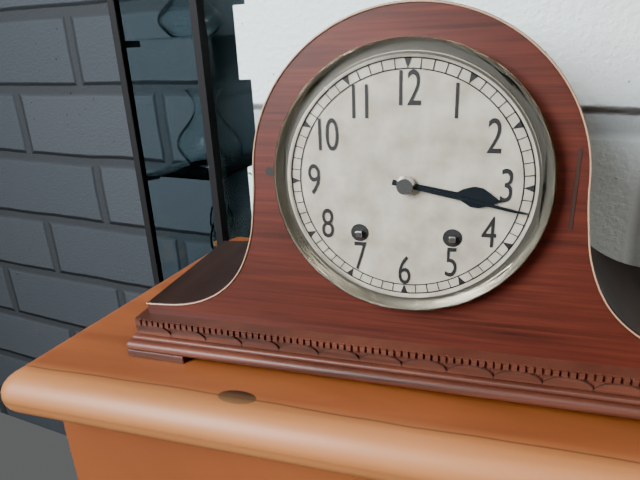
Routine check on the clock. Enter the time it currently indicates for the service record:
3:17
